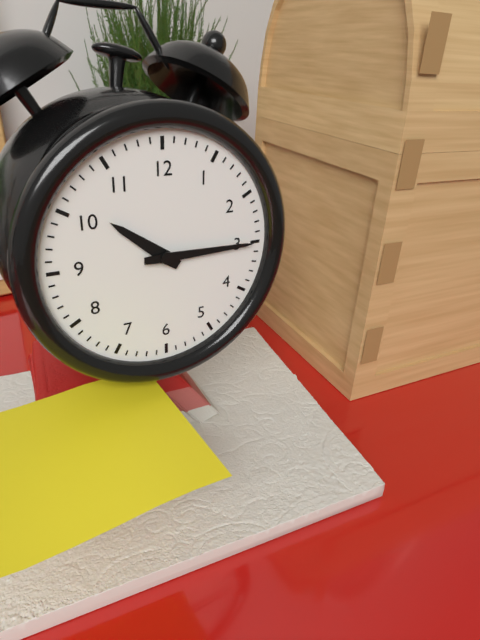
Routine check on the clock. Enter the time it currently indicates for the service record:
10:15
